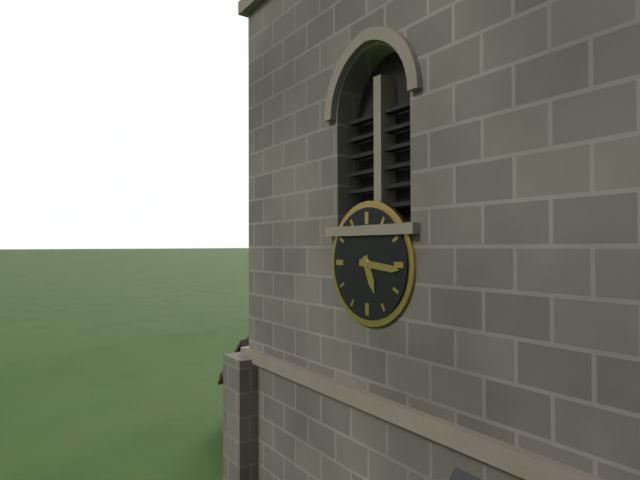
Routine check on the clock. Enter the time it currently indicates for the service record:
5:16
